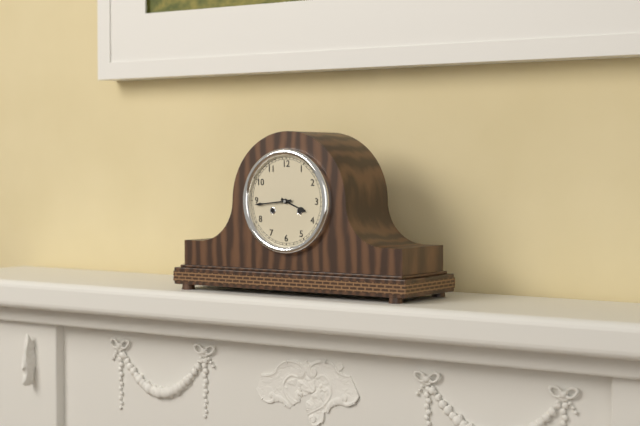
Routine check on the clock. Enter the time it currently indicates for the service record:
3:44
